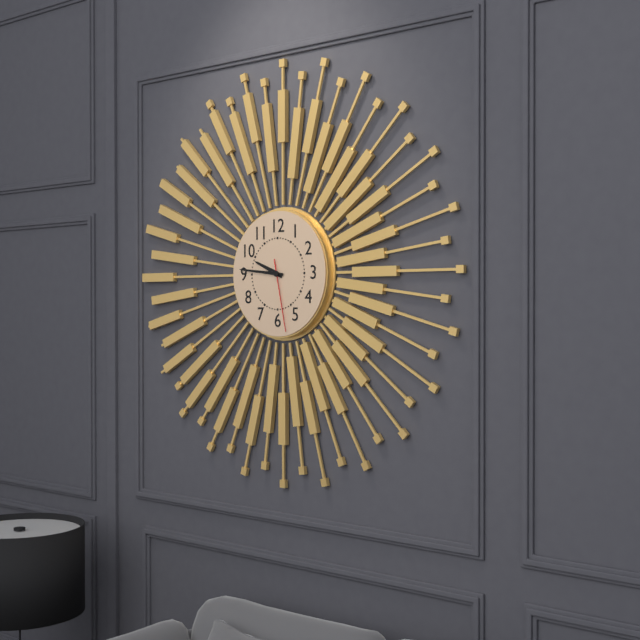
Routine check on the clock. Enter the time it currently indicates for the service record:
9:46:28
